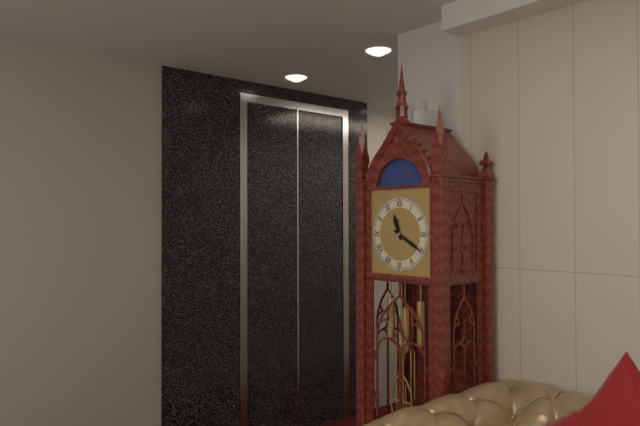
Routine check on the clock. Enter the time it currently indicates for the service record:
11:20
